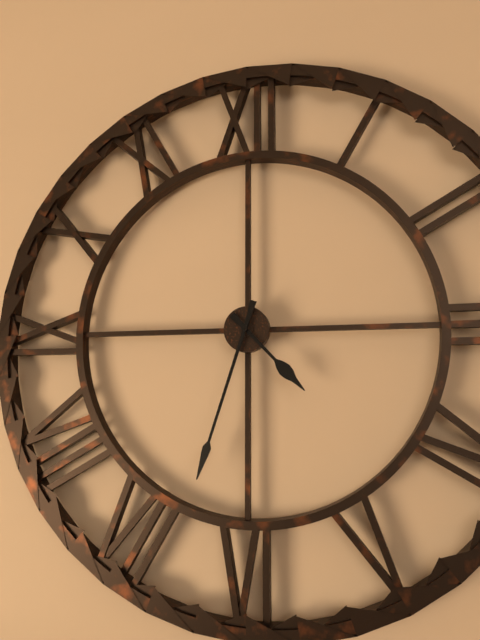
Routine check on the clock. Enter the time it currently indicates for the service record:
4:33
